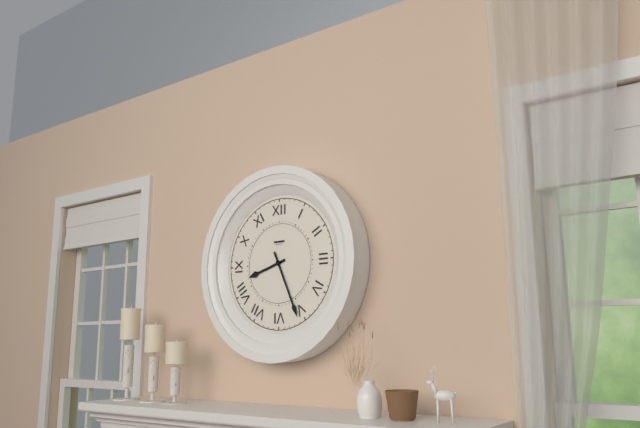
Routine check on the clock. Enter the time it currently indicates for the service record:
8:26
